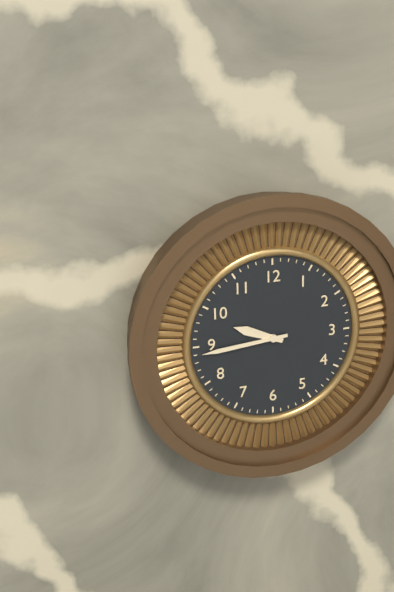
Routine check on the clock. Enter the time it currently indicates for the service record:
9:44
